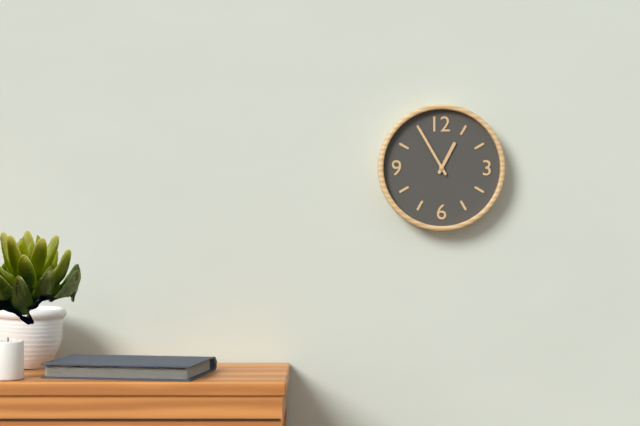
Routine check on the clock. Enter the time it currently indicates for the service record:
12:55
